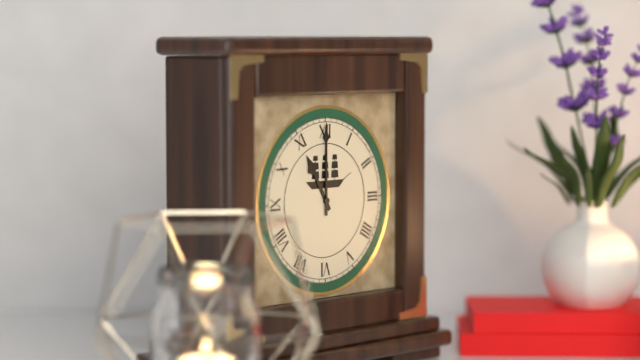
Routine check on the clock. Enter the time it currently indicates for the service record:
11:00
